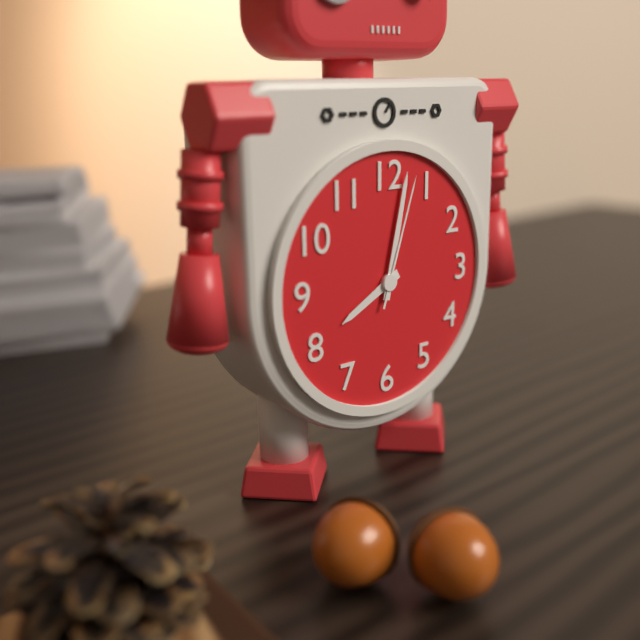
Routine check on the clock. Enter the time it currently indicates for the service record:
8:02:03
